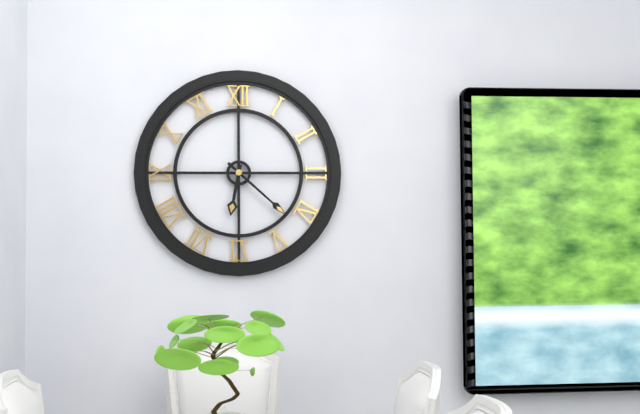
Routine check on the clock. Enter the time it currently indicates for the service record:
6:22
